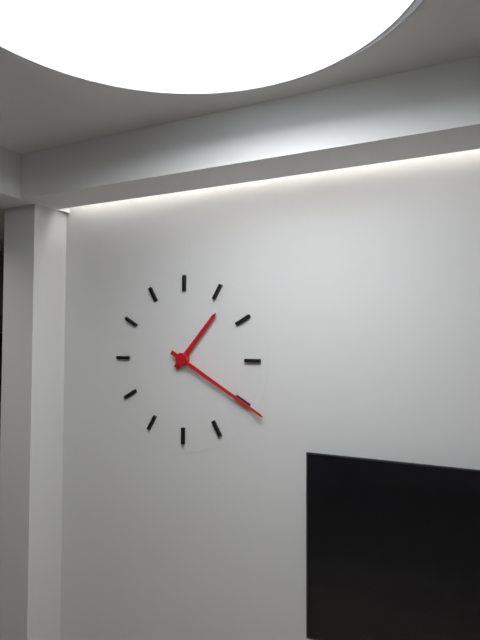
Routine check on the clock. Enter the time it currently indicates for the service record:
1:20
